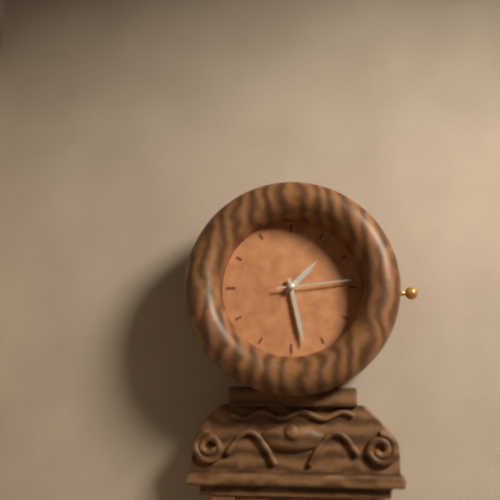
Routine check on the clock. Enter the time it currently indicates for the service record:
1:28:14
